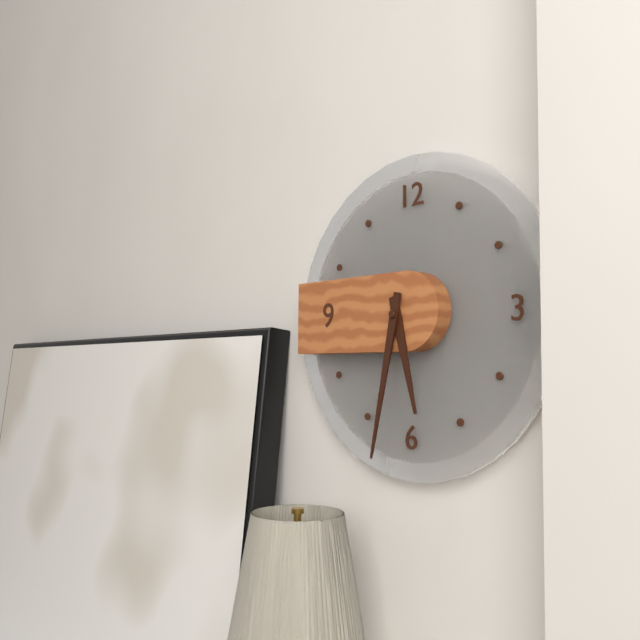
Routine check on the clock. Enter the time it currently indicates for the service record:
5:32
